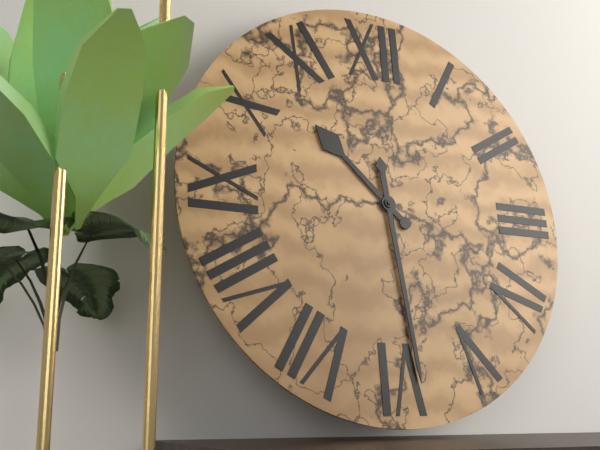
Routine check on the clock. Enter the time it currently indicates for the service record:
10:29
